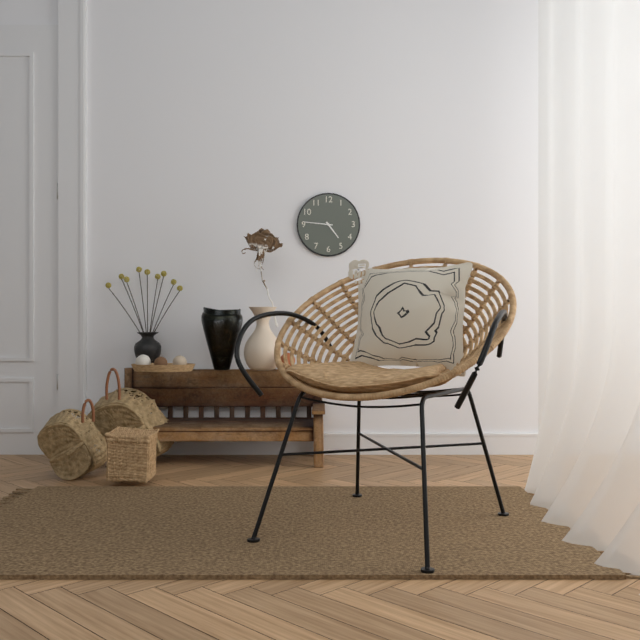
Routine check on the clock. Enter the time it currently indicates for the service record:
4:46
